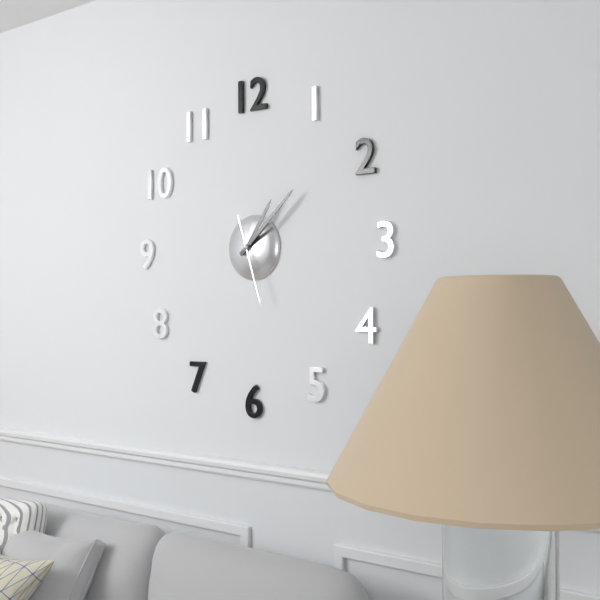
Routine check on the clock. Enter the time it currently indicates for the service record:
1:08:27
